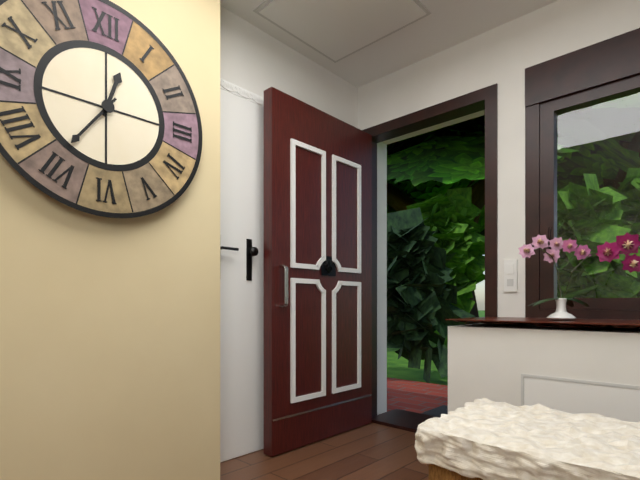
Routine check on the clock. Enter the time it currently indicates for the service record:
12:36
